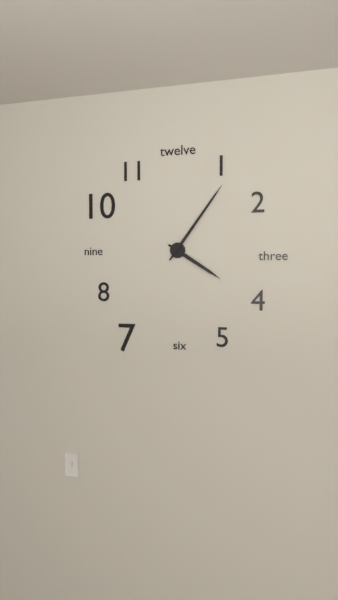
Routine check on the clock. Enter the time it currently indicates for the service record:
4:06
